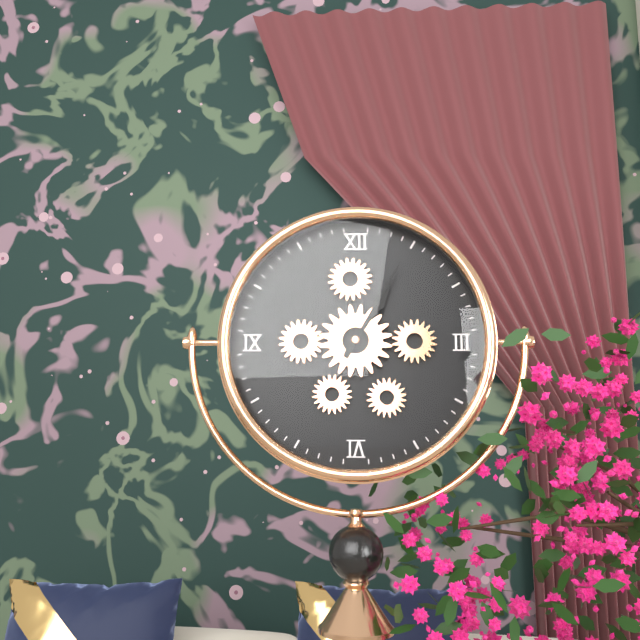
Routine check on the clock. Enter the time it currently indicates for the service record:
1:05
